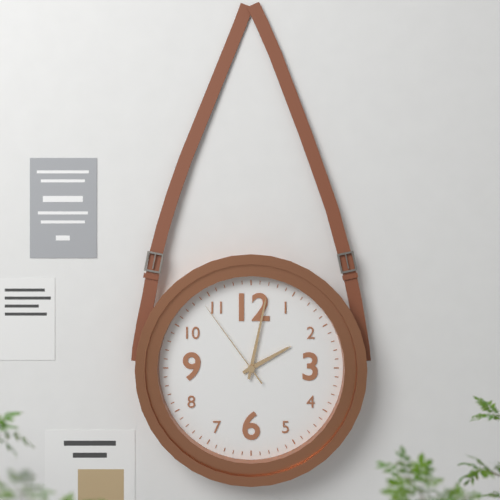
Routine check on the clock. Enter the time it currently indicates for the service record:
2:02:54
